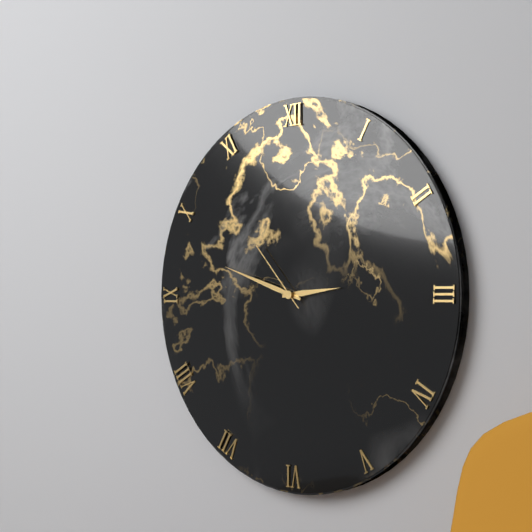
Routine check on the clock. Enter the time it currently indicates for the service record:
2:48:53
